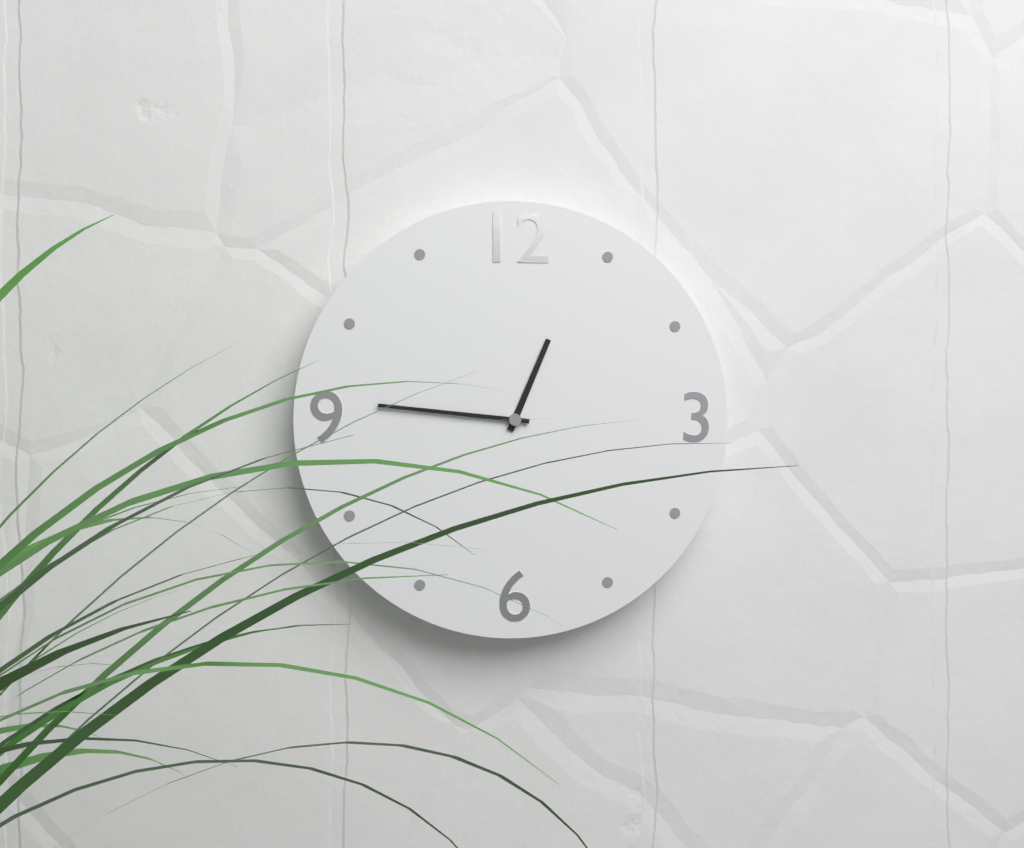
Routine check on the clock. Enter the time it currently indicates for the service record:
12:46
